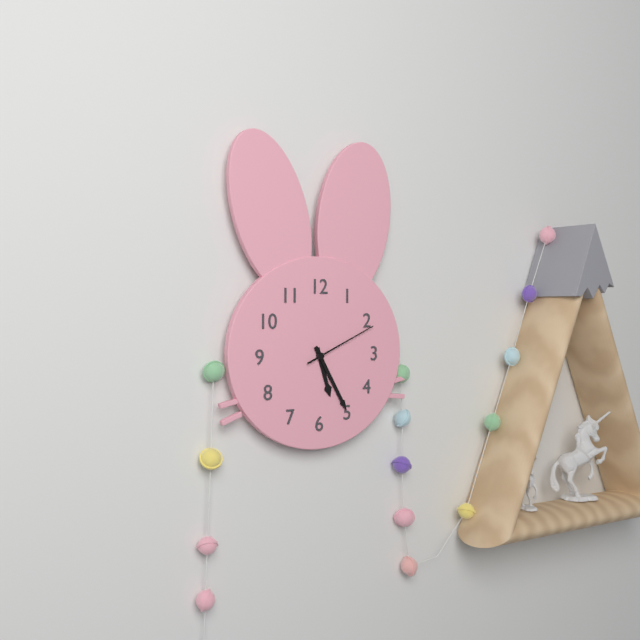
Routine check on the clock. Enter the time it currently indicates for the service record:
5:25:11
